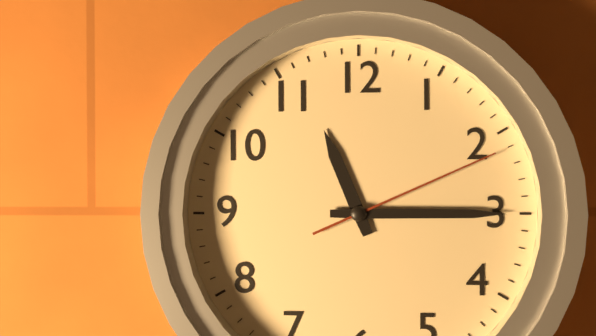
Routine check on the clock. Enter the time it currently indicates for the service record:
11:15:11
